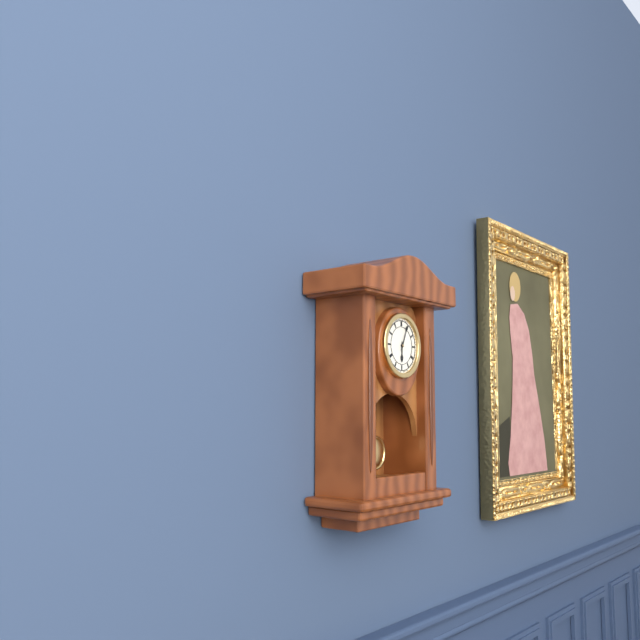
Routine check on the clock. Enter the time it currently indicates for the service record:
6:04
